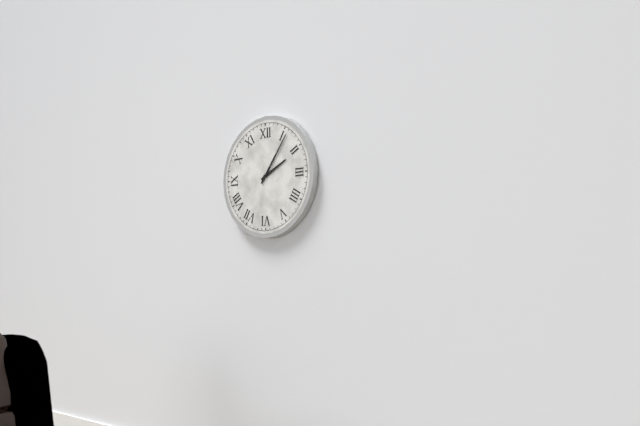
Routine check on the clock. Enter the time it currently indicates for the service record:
2:06
